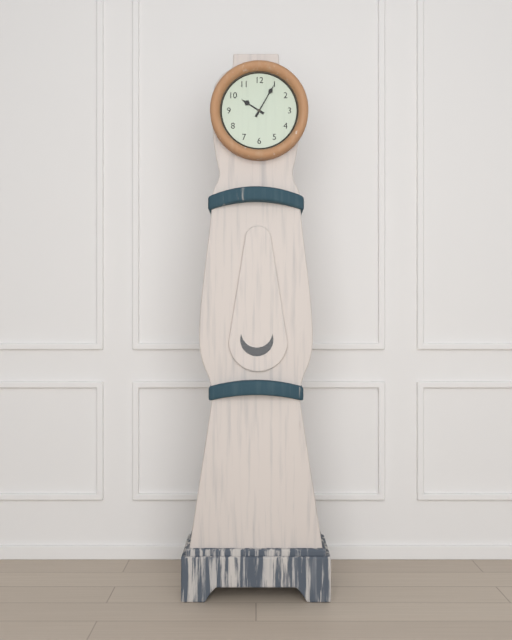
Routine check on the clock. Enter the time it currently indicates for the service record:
10:05
